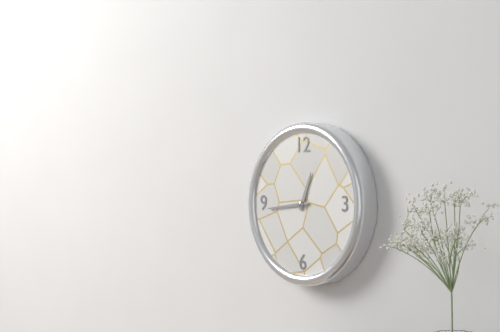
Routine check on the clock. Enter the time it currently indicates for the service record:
12:44
